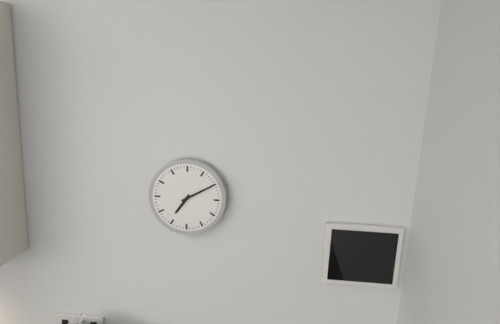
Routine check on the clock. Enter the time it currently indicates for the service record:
7:10
